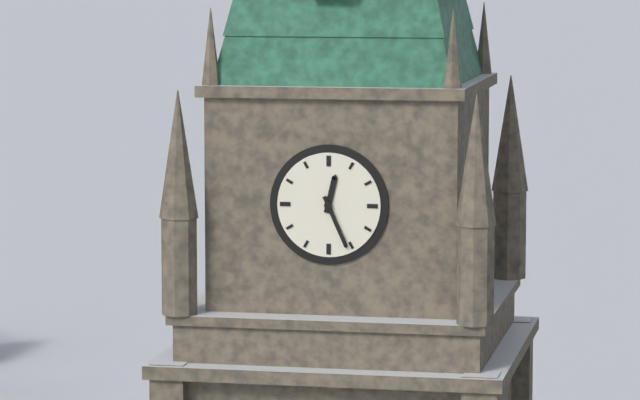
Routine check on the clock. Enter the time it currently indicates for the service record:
12:26
